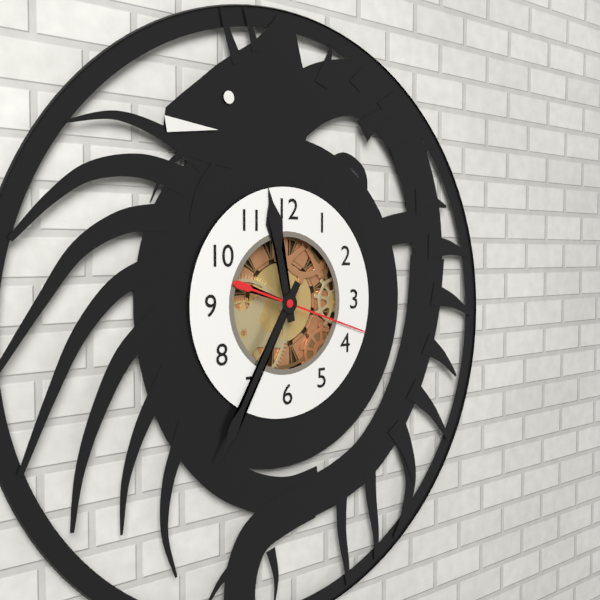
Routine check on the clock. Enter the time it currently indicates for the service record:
11:35:18
